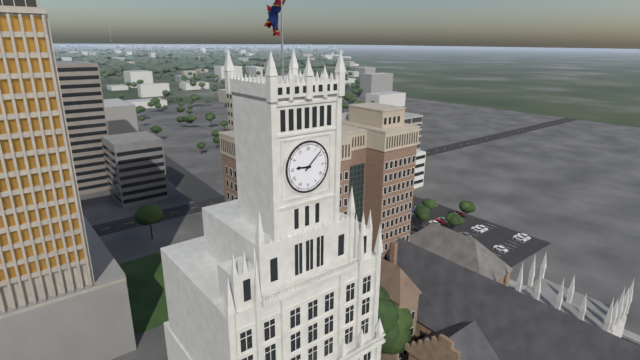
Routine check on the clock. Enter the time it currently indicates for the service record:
9:08
